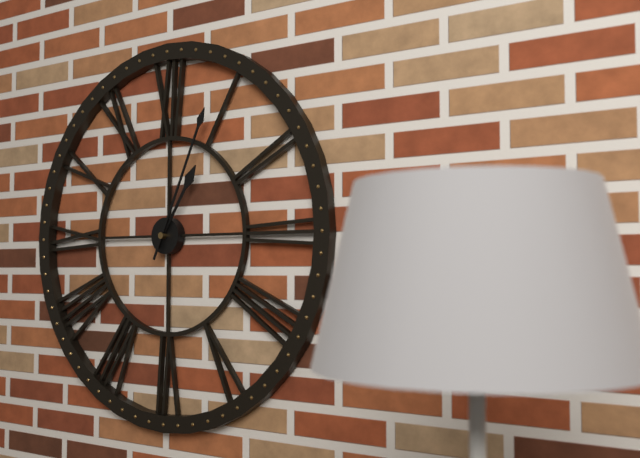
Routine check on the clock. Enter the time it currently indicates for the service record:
1:04
